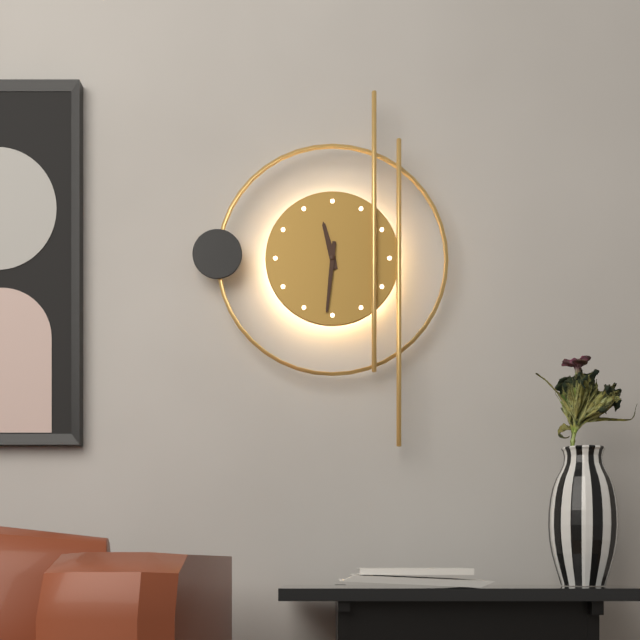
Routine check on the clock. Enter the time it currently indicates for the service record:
11:31
